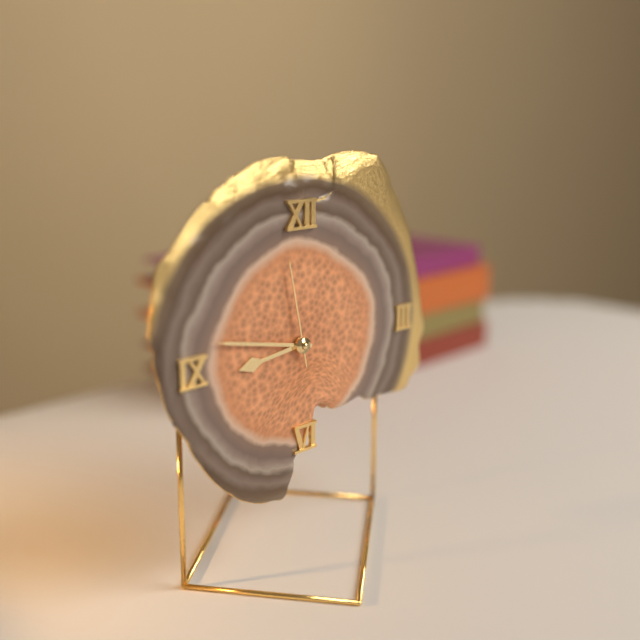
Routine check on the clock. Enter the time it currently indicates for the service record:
8:47:58
